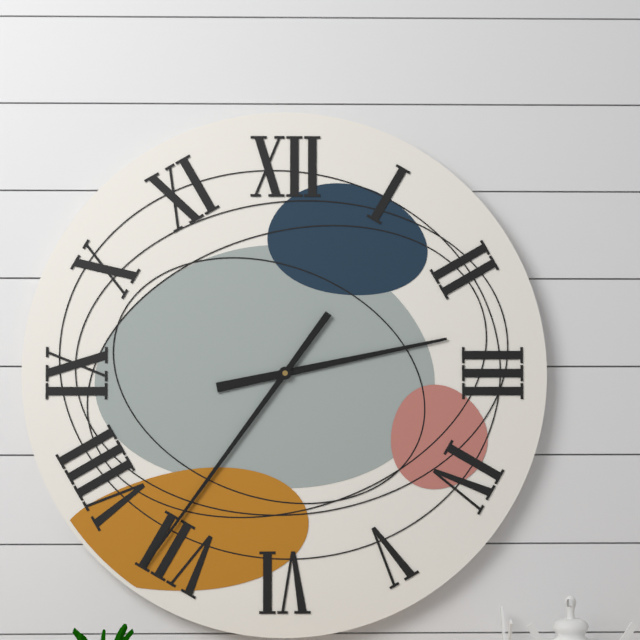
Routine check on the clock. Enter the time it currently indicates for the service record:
2:36
